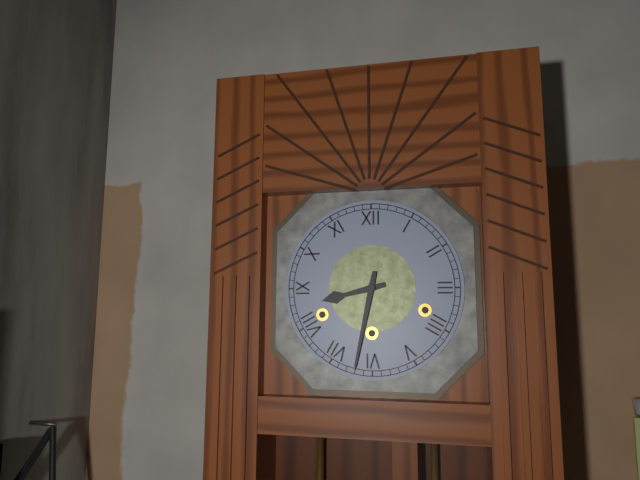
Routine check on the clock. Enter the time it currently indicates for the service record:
8:32
